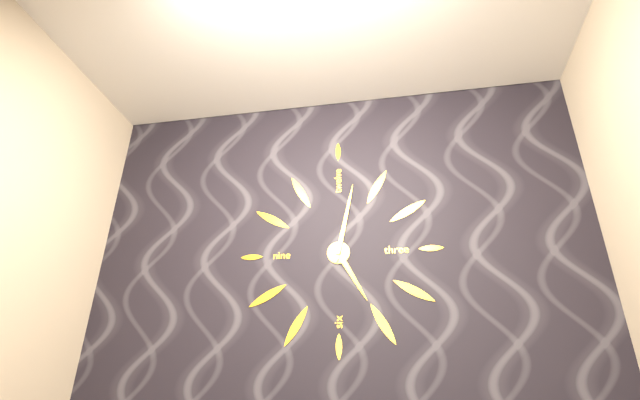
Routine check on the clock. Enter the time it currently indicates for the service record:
5:02
